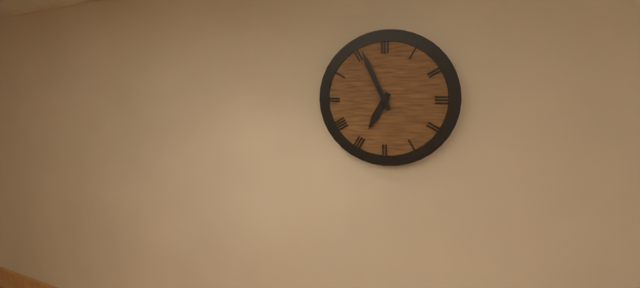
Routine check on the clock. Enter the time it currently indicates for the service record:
6:56
